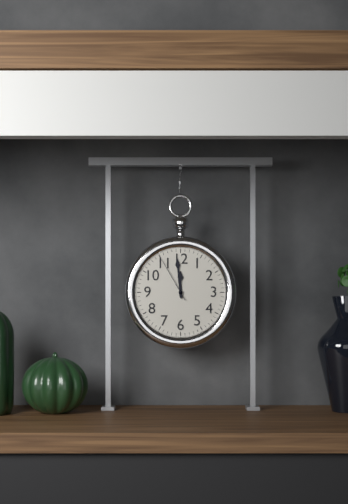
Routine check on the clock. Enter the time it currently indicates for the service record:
11:59
